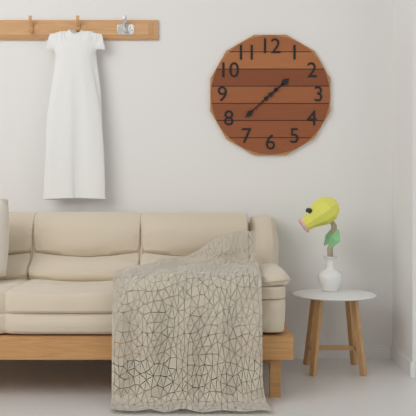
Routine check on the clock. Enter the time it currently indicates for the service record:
1:38
